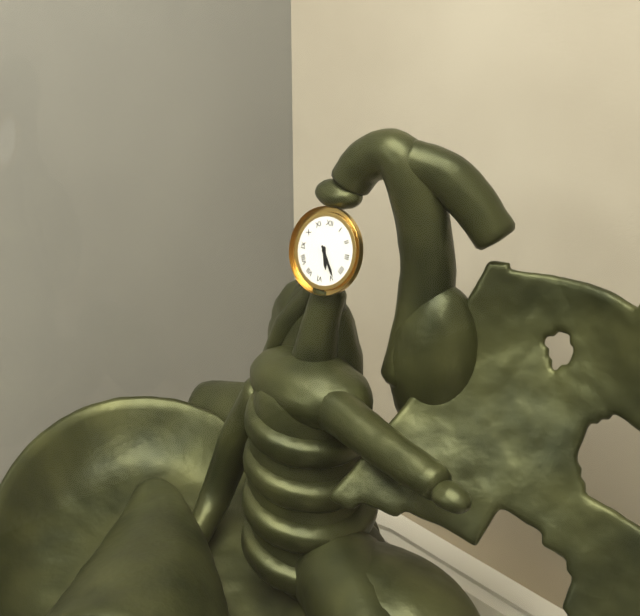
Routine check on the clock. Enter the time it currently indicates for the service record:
5:24
